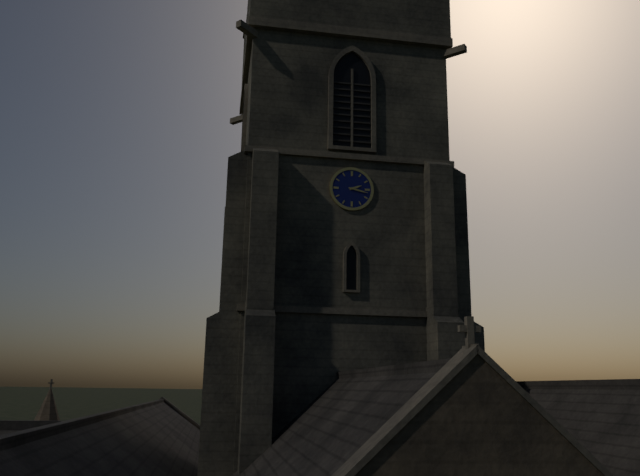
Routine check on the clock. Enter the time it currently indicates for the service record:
2:17
